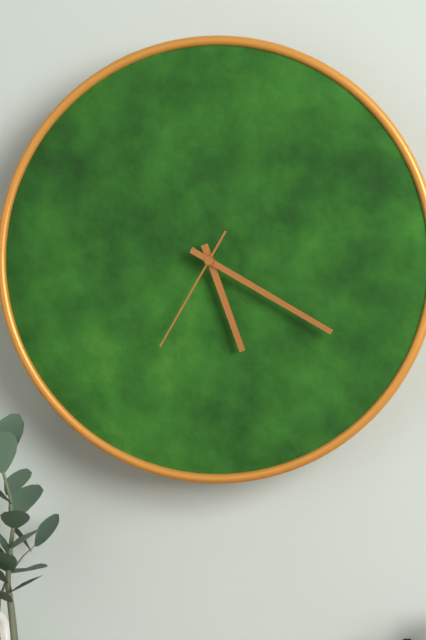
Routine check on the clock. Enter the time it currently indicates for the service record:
5:20:35
